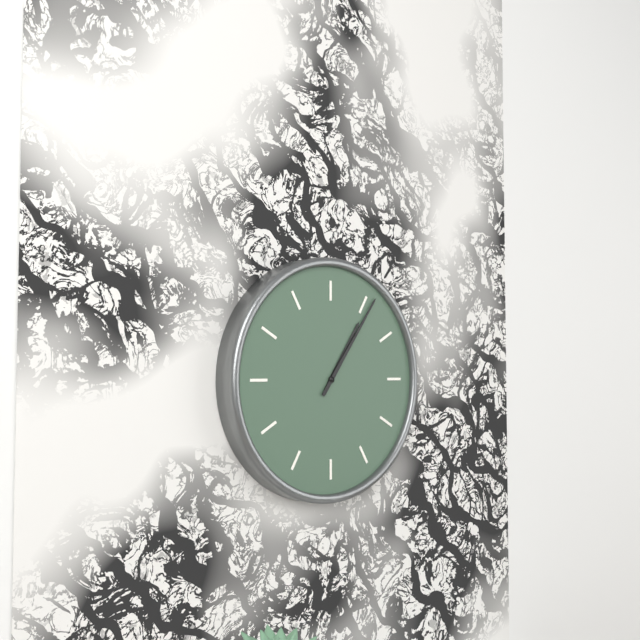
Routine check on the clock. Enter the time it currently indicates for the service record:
1:06
